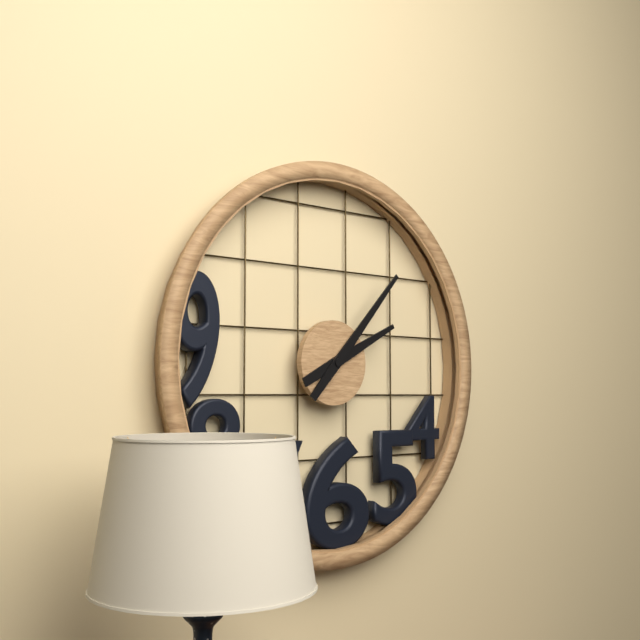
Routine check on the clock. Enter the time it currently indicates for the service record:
2:07
